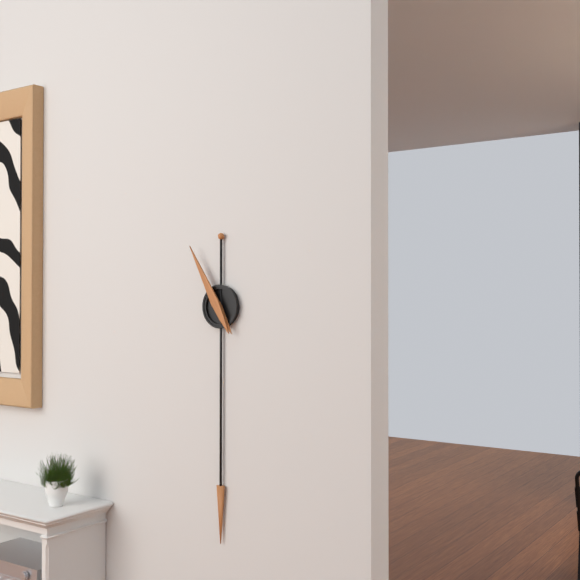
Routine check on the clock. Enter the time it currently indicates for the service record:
10:55
